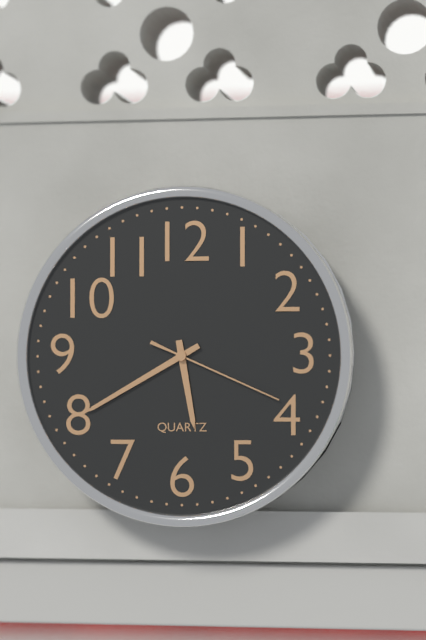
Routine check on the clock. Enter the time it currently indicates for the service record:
5:40:19
